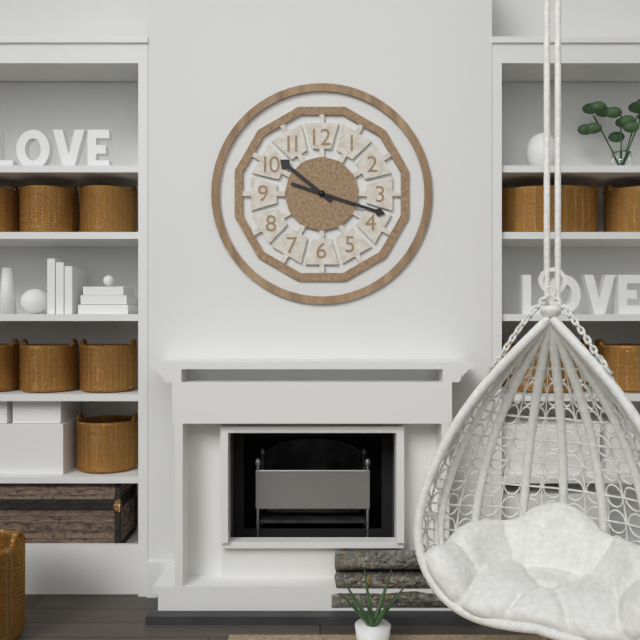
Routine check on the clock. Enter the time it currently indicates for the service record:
10:18
